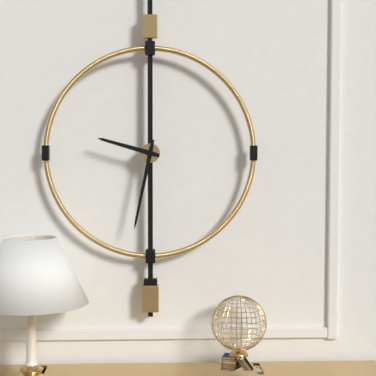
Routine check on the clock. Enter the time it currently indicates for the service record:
9:32
